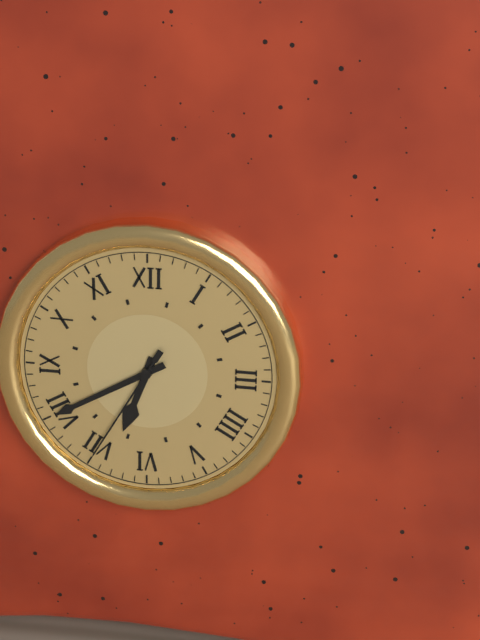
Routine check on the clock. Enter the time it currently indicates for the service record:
6:40:35
